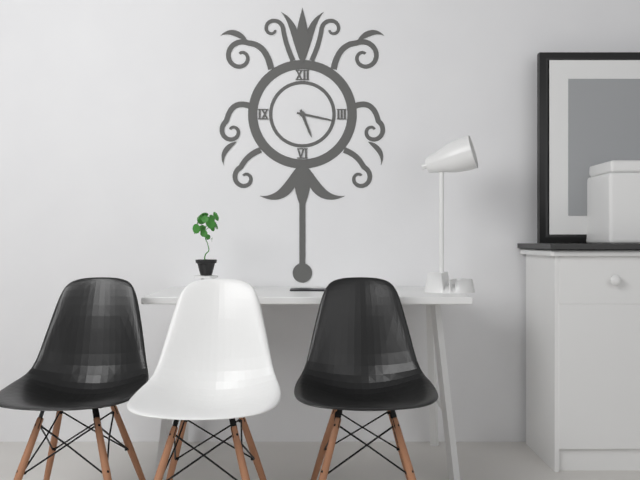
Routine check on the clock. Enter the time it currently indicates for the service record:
5:17
